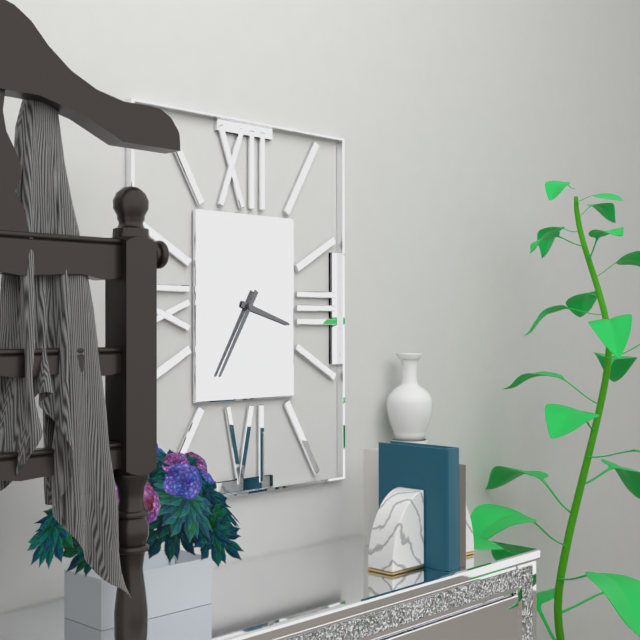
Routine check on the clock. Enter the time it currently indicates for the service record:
3:35
